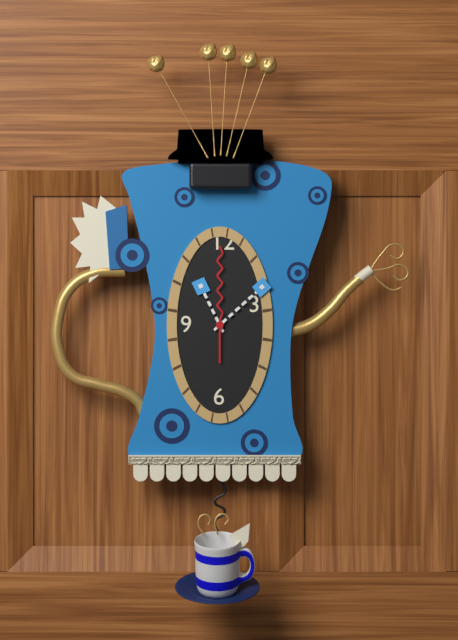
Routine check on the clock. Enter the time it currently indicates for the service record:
11:08:00
